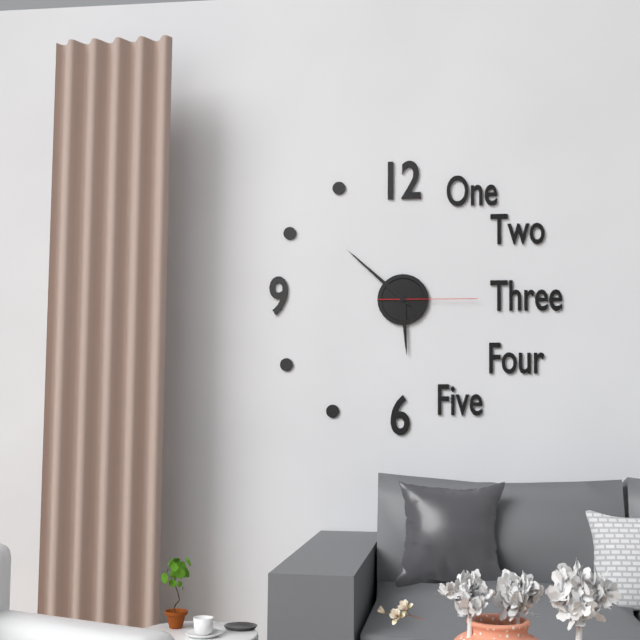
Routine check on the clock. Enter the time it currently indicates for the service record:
5:52:15
